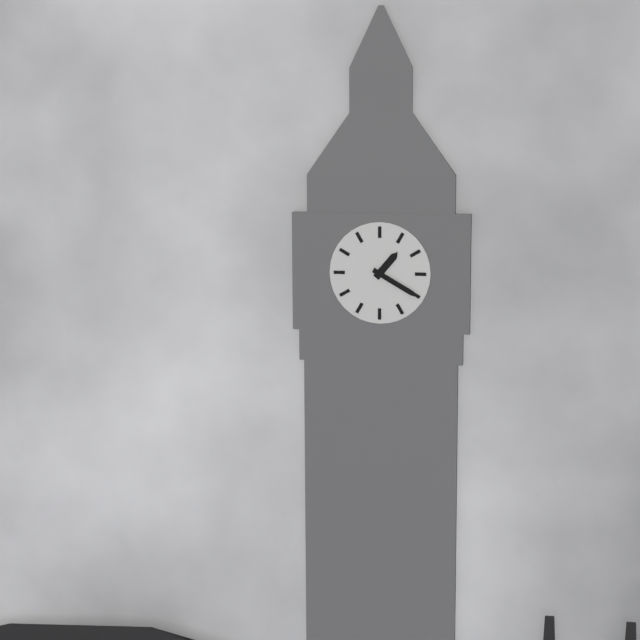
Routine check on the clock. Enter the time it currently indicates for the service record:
1:20
